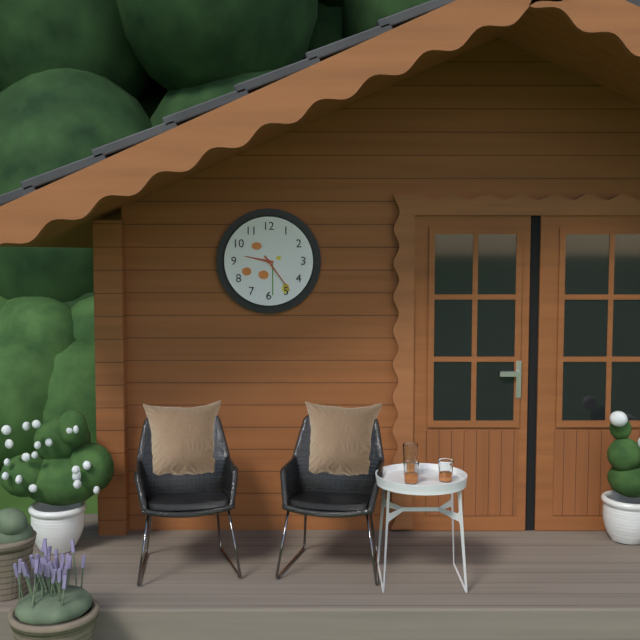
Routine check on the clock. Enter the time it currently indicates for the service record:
9:24
